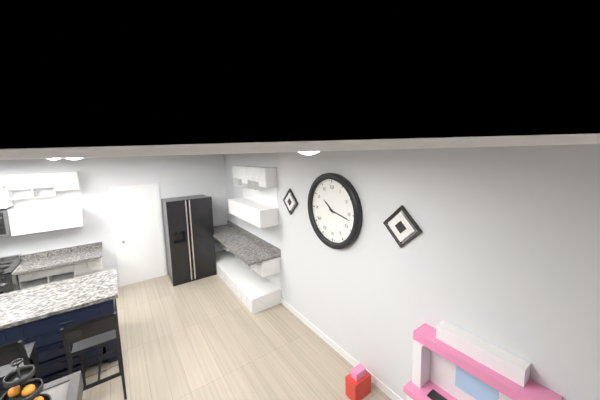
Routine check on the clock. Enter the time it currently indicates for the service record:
10:17
